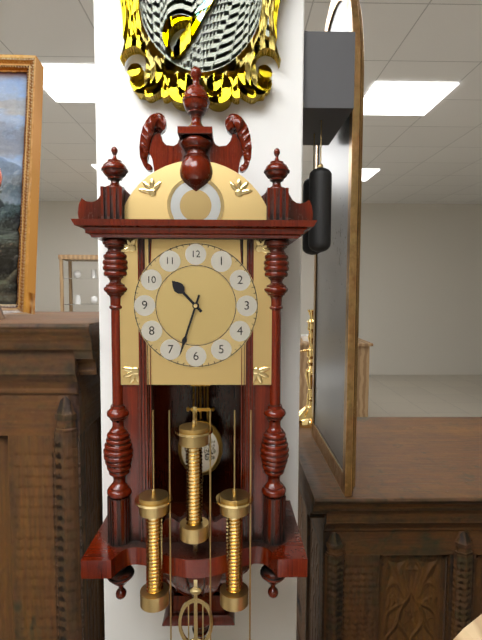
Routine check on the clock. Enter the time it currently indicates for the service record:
10:33
